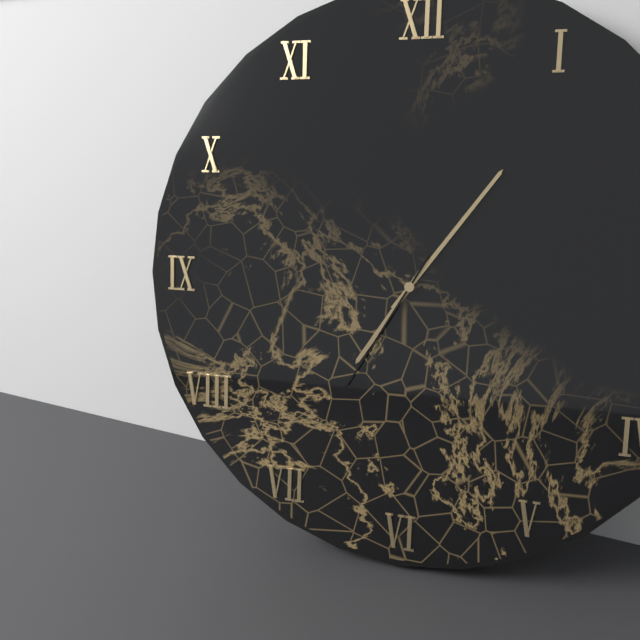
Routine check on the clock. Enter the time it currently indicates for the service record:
7:06:35
